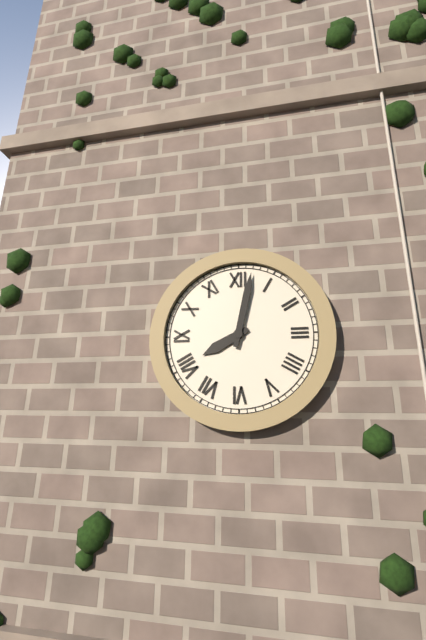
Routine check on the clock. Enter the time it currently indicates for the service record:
8:02
